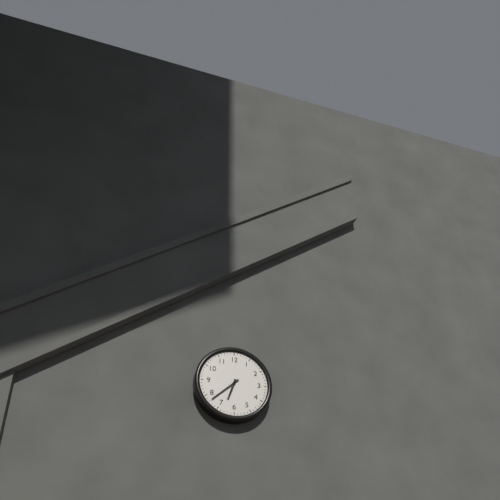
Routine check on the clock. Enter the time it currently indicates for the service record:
6:38
